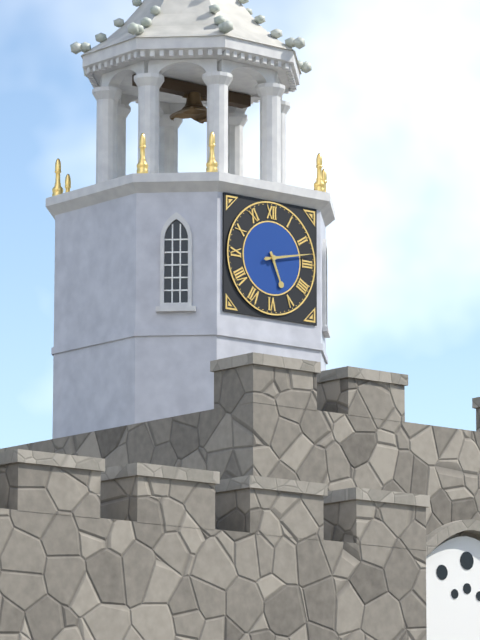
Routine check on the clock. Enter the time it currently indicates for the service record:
5:13
